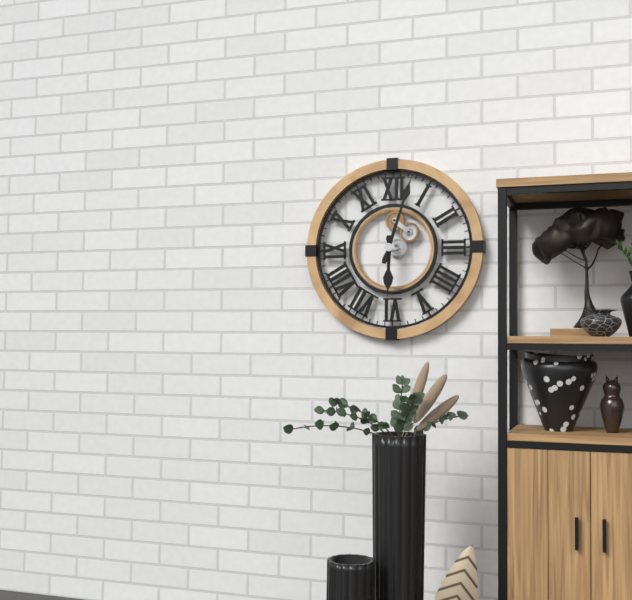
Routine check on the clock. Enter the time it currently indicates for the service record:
6:03
